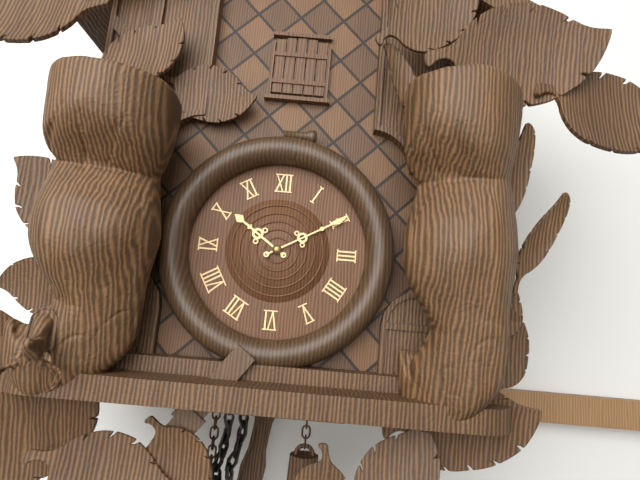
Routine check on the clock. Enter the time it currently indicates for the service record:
10:10
